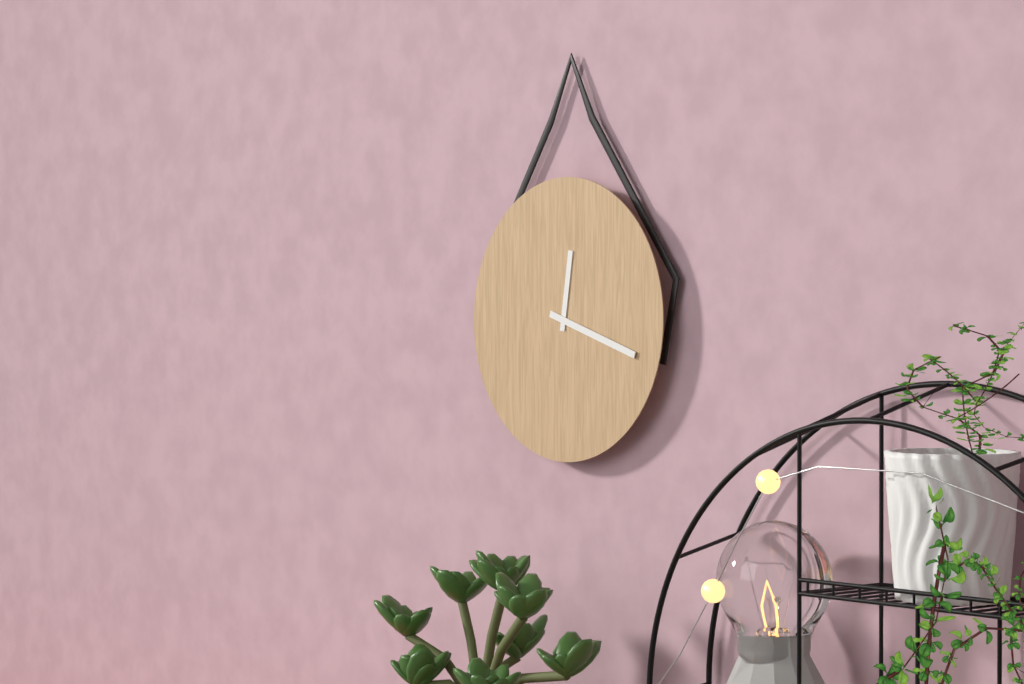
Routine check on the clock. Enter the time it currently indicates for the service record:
12:18
